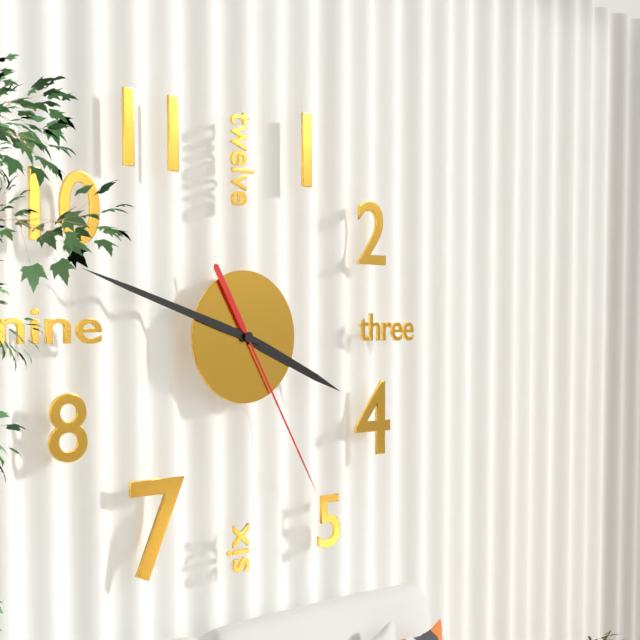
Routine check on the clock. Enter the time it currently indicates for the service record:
3:48:25
